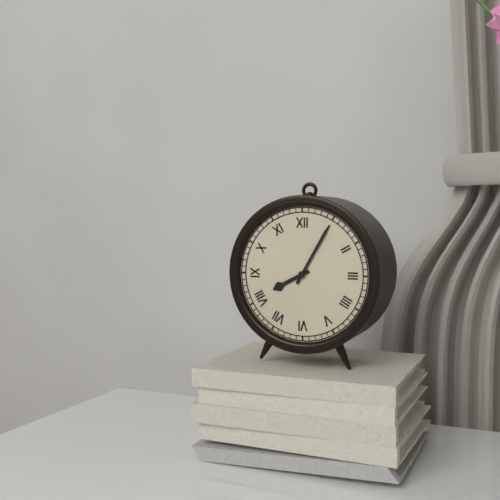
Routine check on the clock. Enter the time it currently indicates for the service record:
8:05
